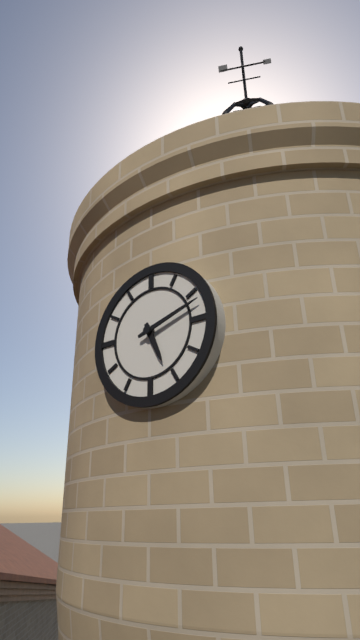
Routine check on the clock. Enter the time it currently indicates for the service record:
5:12
